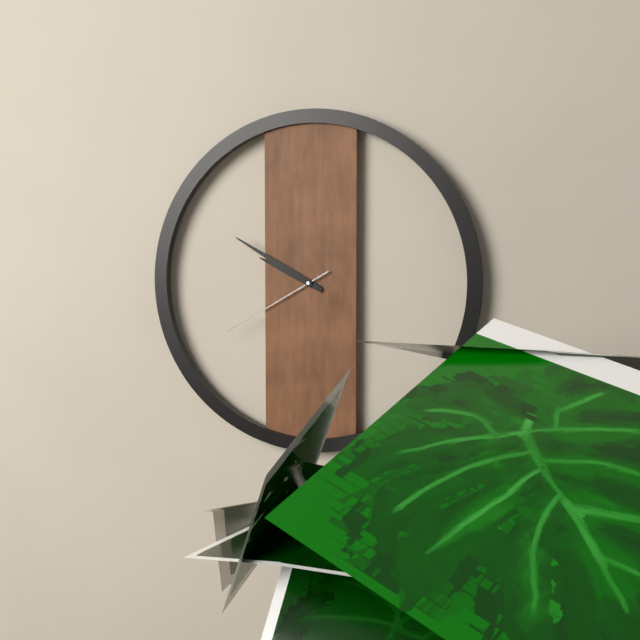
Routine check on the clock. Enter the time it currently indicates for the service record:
9:50:40
